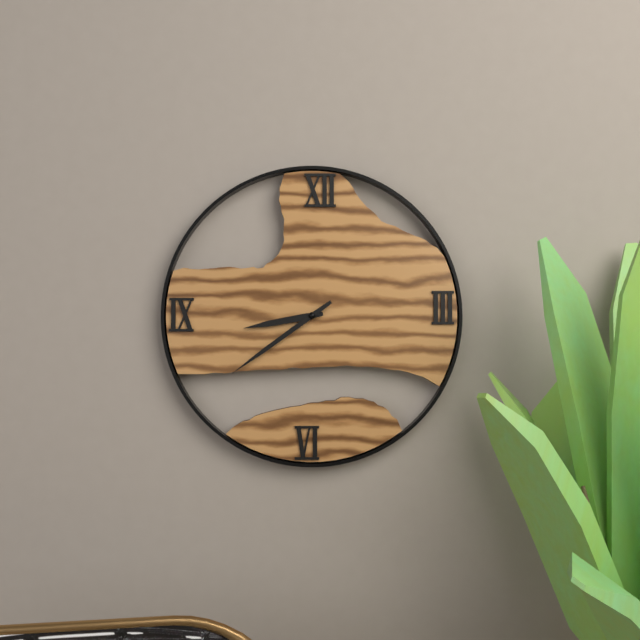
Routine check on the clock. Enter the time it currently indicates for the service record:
8:39
